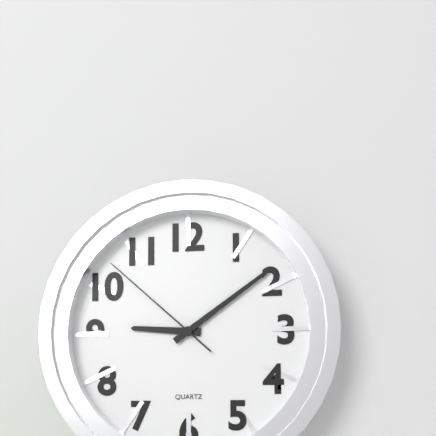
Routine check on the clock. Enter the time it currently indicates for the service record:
9:09:52
